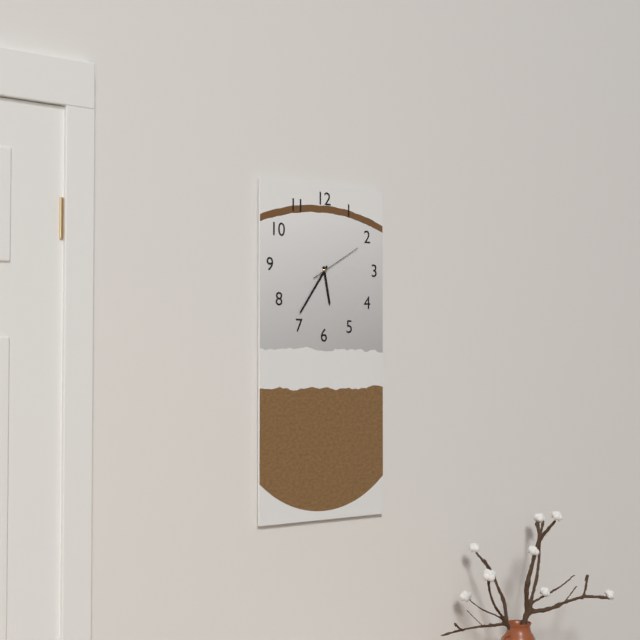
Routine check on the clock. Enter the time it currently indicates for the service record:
5:36:10
